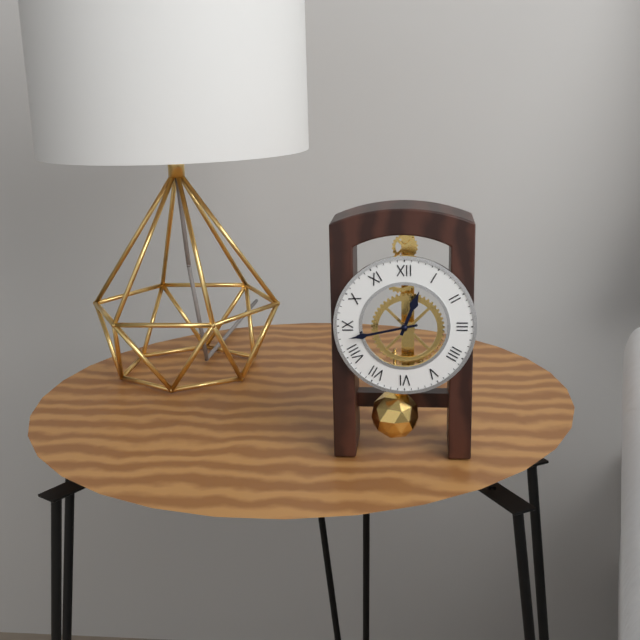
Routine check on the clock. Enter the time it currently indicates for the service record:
12:43
